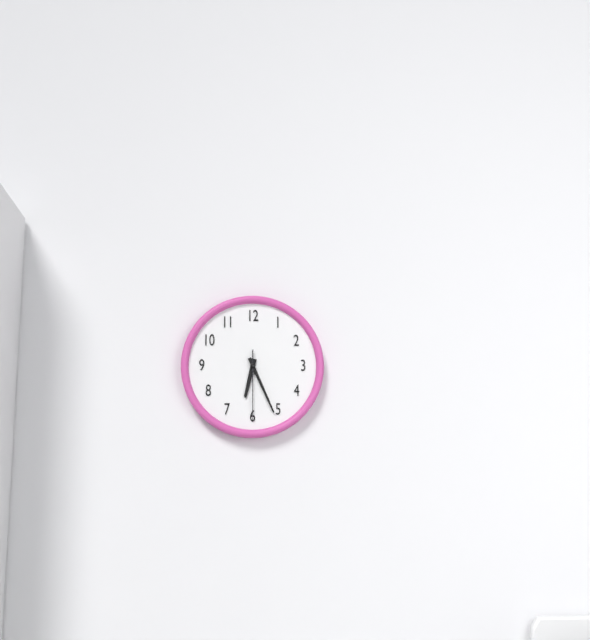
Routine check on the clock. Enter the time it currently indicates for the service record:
6:26:30
